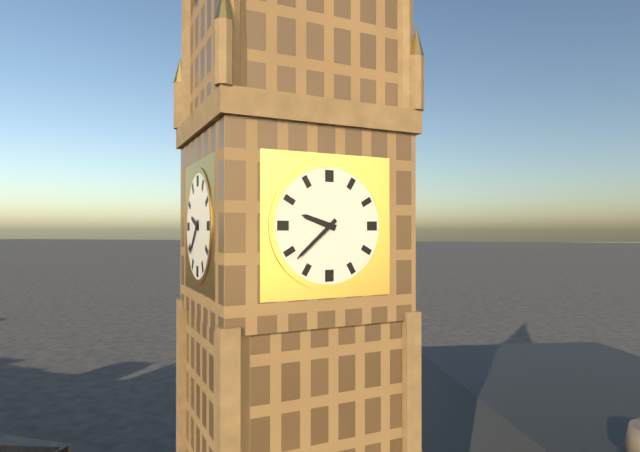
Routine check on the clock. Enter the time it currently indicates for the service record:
9:38
